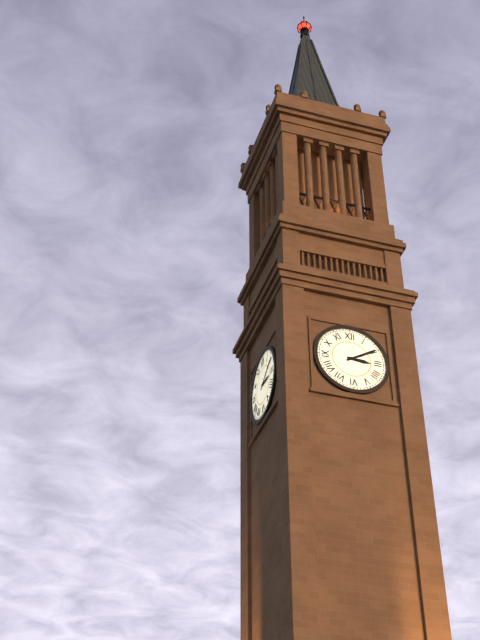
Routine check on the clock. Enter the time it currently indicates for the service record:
3:10
